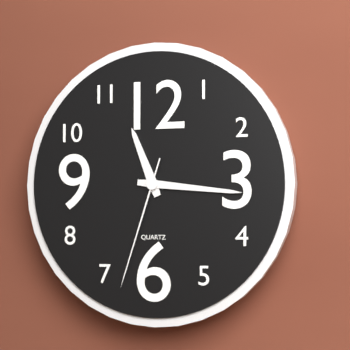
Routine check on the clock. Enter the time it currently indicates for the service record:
11:16:33
